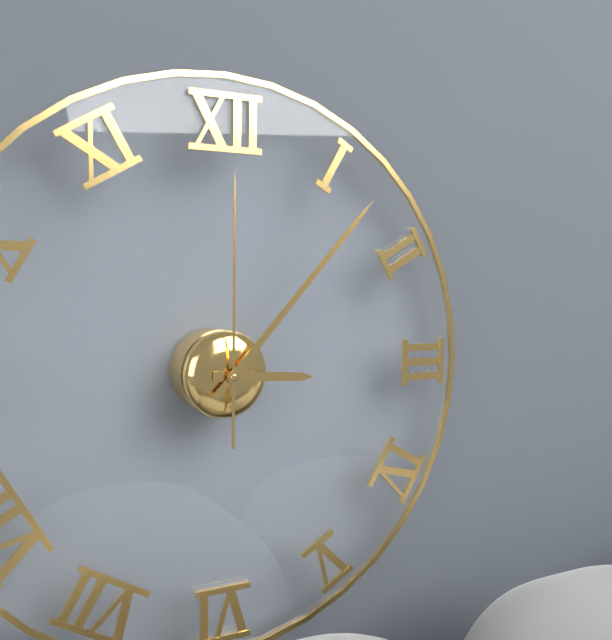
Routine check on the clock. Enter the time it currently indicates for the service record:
3:07:00
